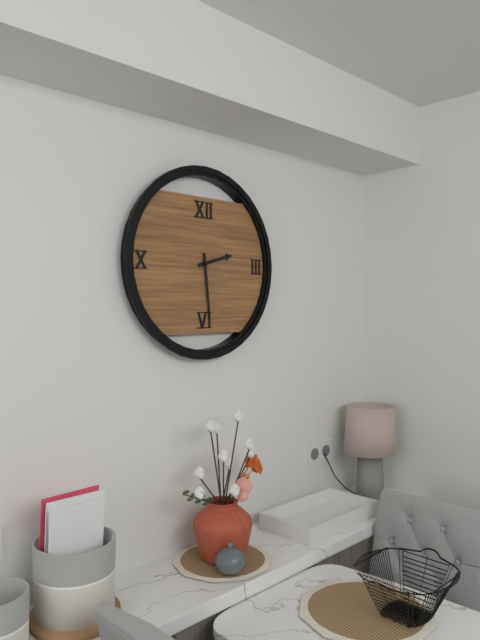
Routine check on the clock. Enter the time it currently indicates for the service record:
2:29
